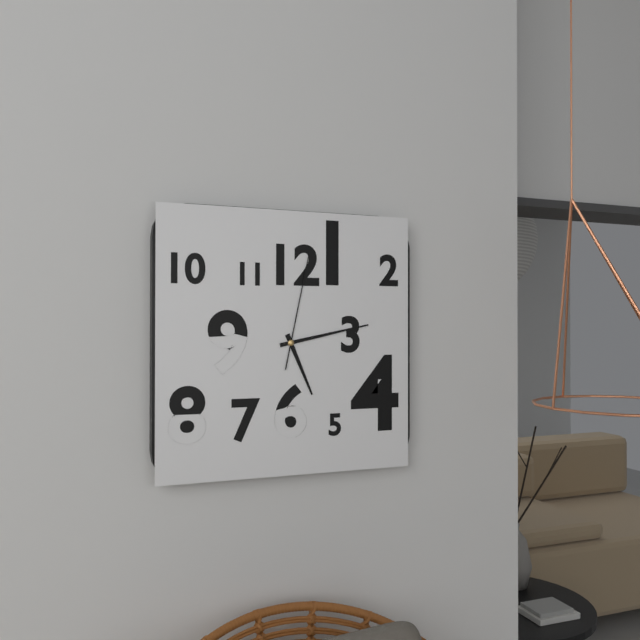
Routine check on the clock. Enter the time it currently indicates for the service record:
5:13:02
